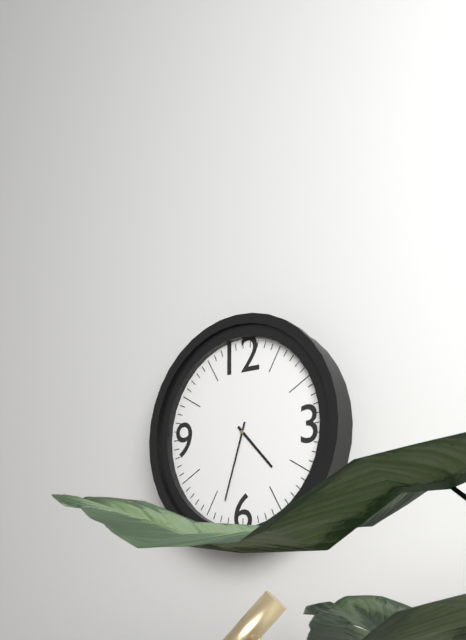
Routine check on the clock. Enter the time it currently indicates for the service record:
4:33
